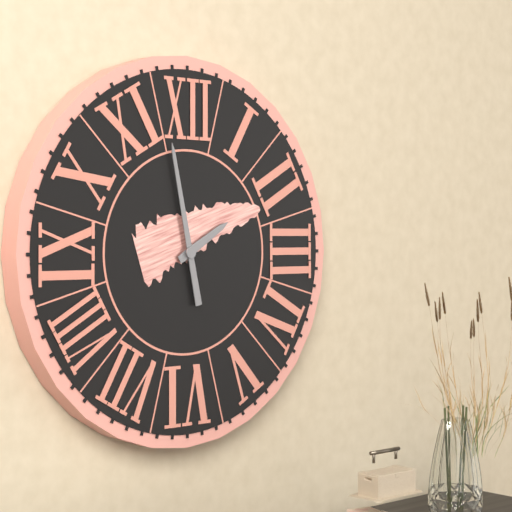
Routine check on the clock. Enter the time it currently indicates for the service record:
1:58
